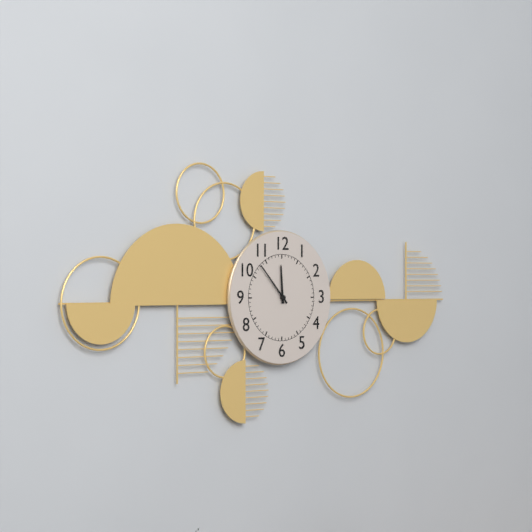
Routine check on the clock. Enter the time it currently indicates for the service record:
11:53
